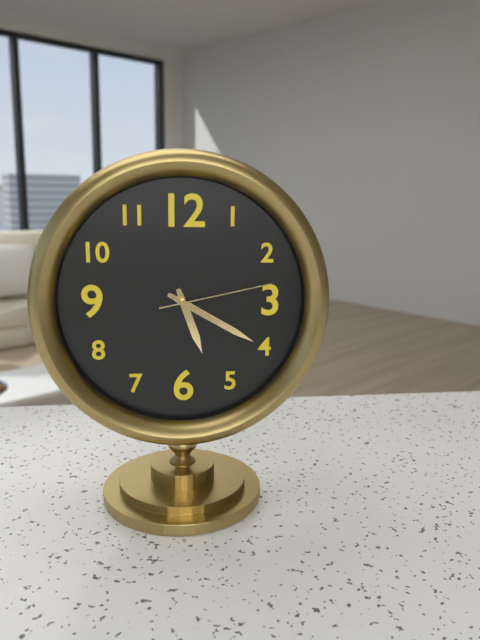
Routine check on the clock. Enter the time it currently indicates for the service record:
5:20:13
